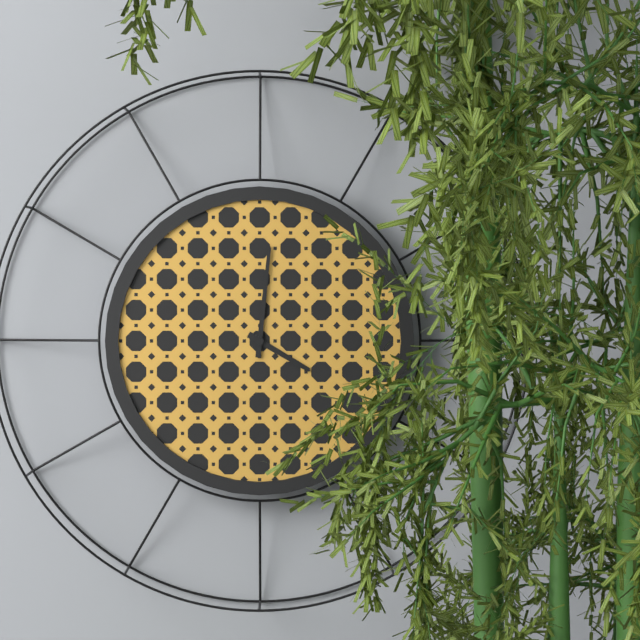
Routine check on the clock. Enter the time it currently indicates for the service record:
4:01
